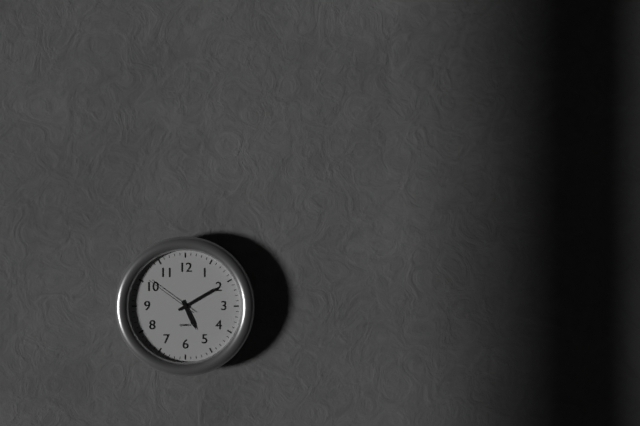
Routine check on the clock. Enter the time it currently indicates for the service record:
5:10:51
